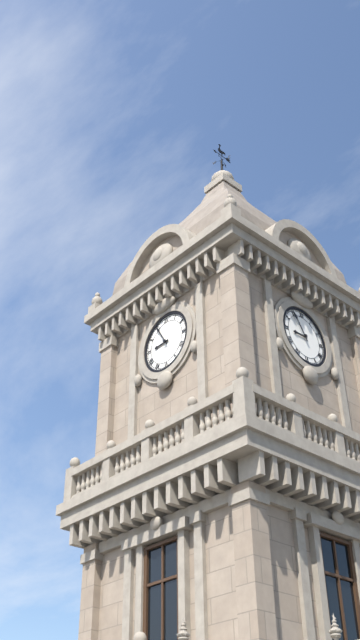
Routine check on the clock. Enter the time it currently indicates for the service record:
8:55
